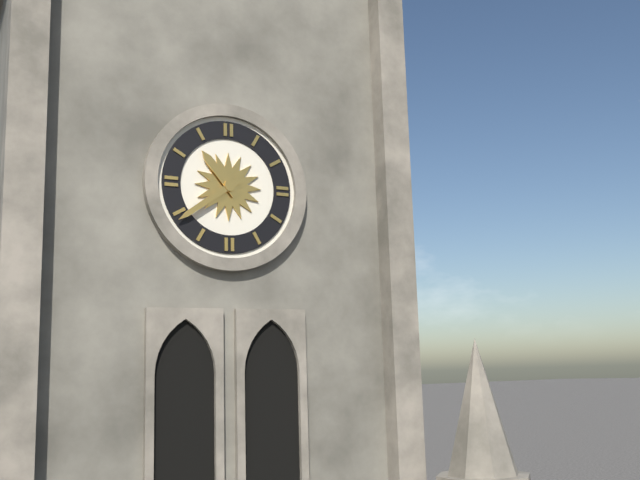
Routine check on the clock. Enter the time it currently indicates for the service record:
10:39
